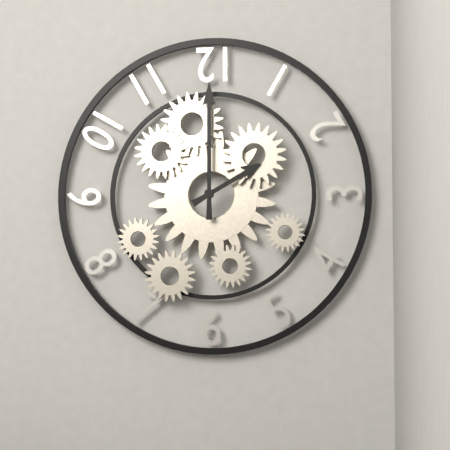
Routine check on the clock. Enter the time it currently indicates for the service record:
2:00
